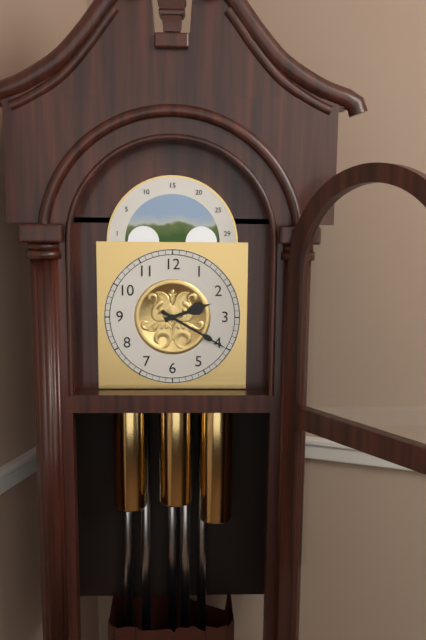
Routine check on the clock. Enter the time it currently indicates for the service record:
2:20
